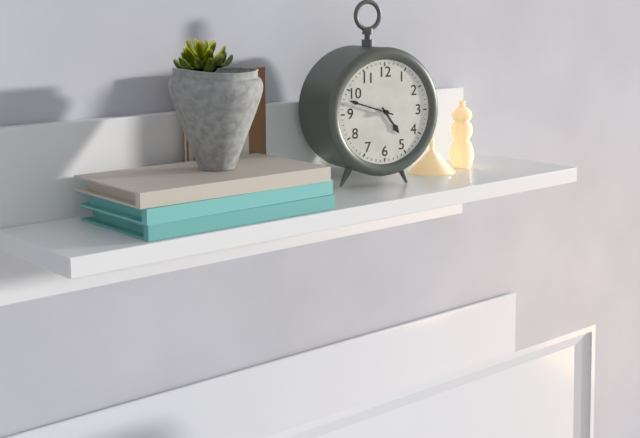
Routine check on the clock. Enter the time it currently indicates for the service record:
4:48
